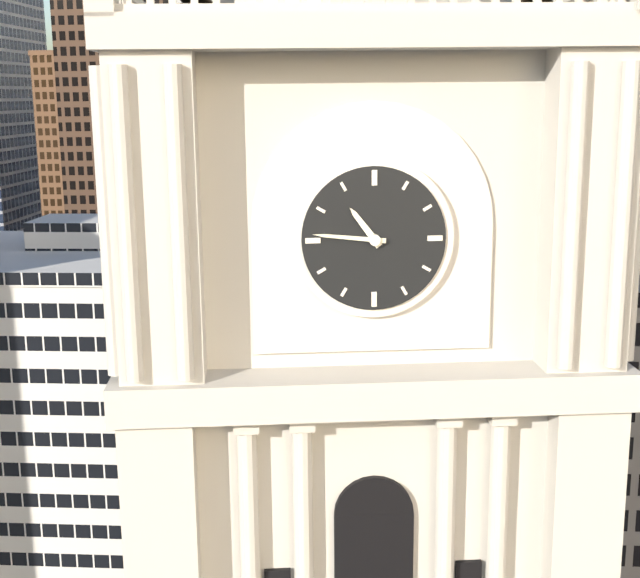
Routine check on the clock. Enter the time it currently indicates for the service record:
10:46
